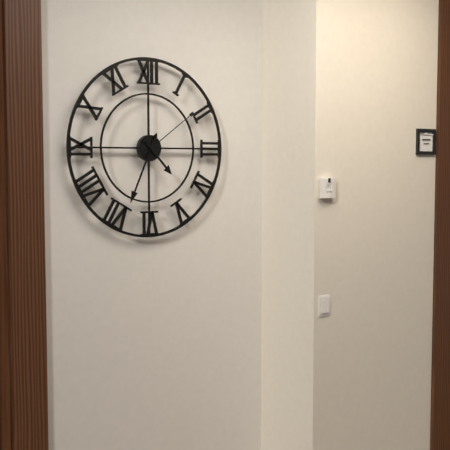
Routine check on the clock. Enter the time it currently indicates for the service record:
4:34:09
